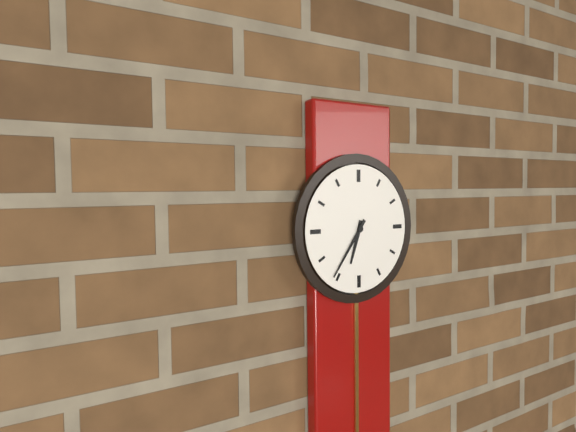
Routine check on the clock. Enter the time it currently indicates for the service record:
6:36
